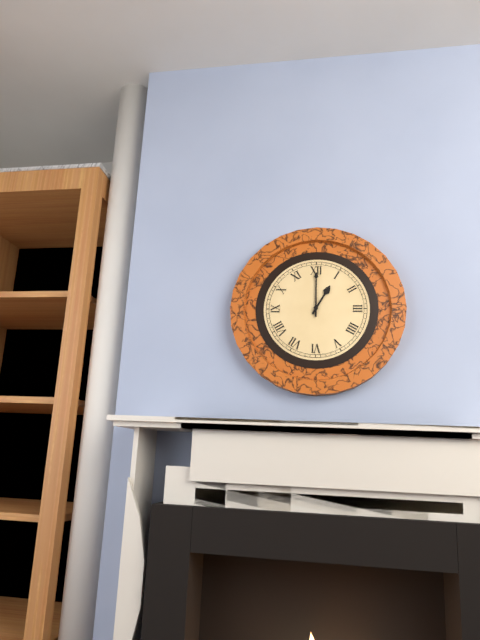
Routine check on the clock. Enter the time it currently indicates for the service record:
1:00
